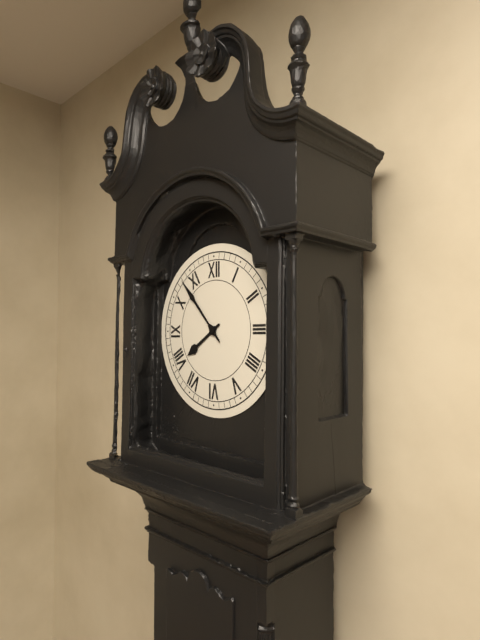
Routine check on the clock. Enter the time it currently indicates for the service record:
7:53
